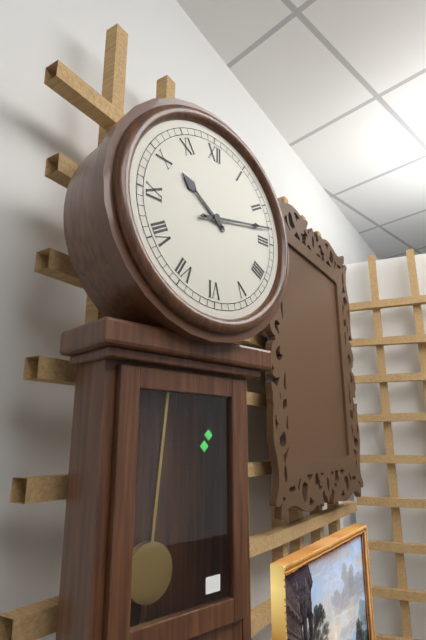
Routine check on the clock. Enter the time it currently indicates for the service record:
10:13
